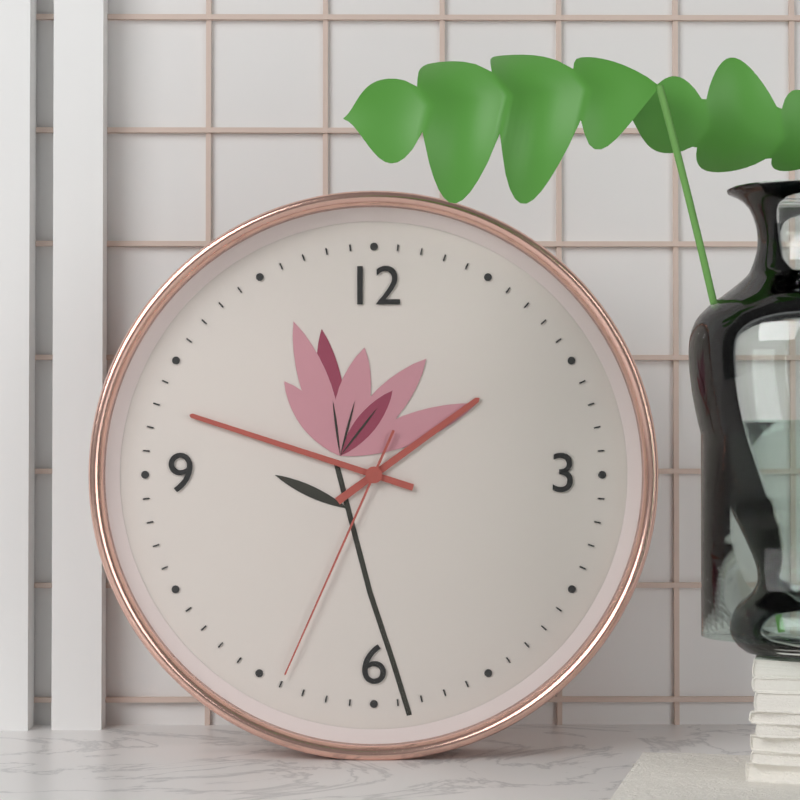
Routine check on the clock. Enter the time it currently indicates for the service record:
1:48:34
